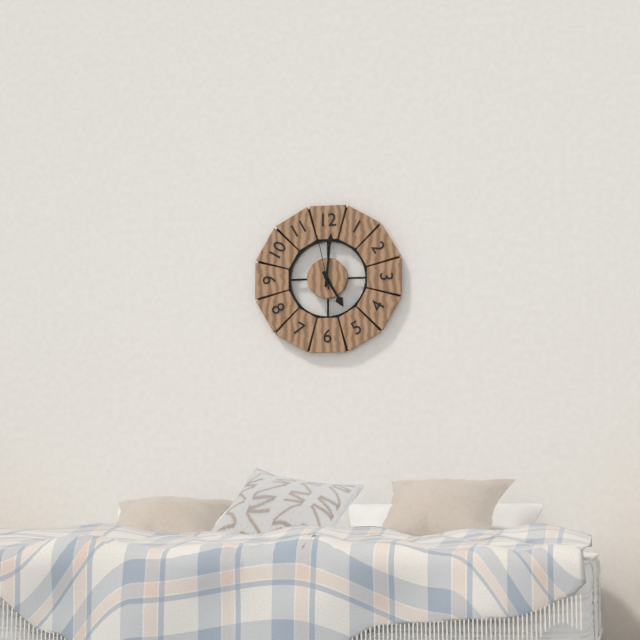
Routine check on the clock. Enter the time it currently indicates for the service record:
5:01:58
